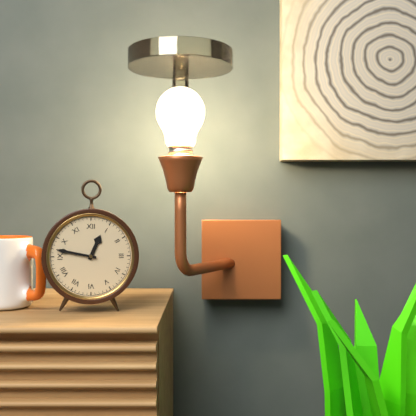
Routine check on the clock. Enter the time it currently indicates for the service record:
12:47
